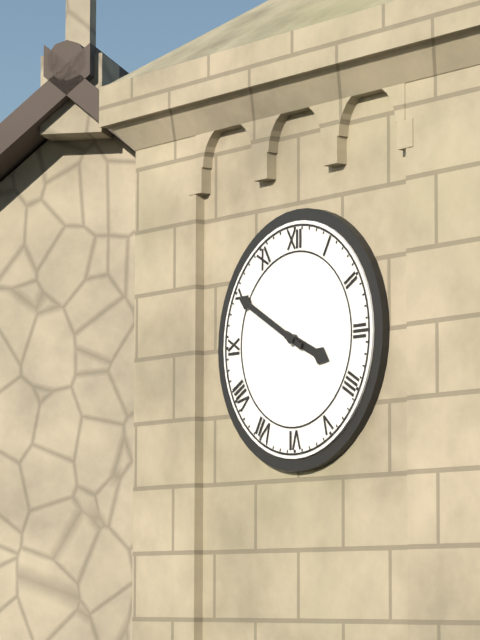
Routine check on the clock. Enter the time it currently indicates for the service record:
3:50
